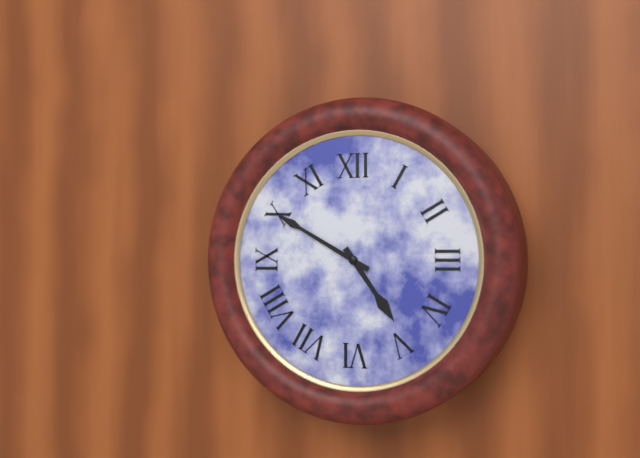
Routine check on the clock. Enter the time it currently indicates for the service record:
4:50
